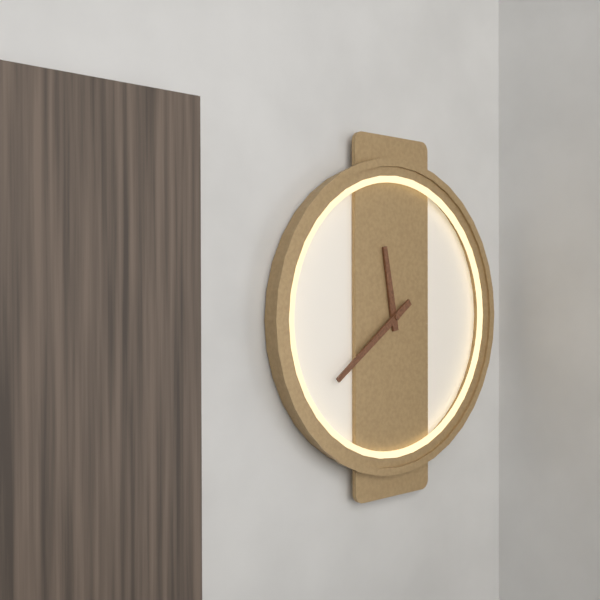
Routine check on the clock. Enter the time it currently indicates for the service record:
11:39
